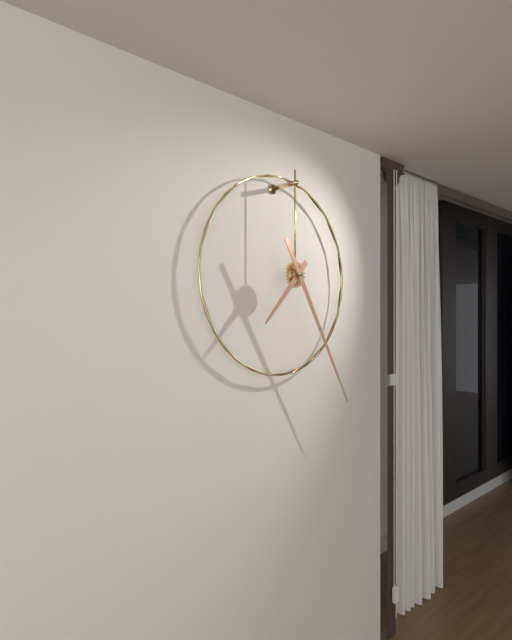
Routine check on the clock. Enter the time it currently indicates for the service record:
7:25
